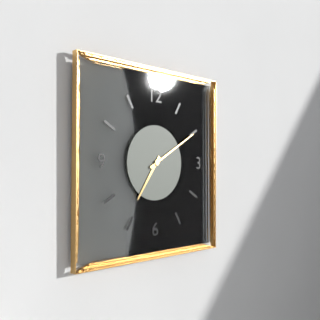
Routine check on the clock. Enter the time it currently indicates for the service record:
7:10
